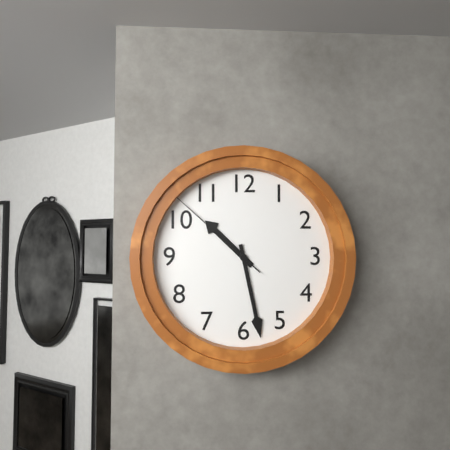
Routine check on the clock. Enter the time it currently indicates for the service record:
10:28:52
